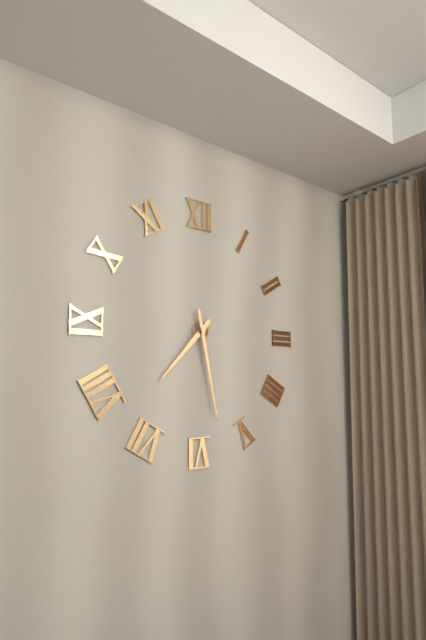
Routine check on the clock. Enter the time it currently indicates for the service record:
7:28
